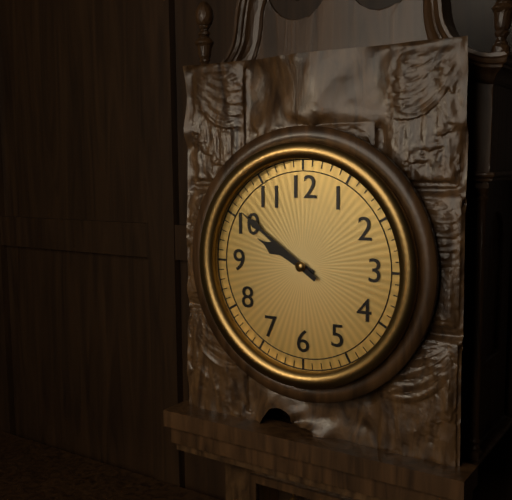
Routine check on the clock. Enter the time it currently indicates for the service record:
9:51
